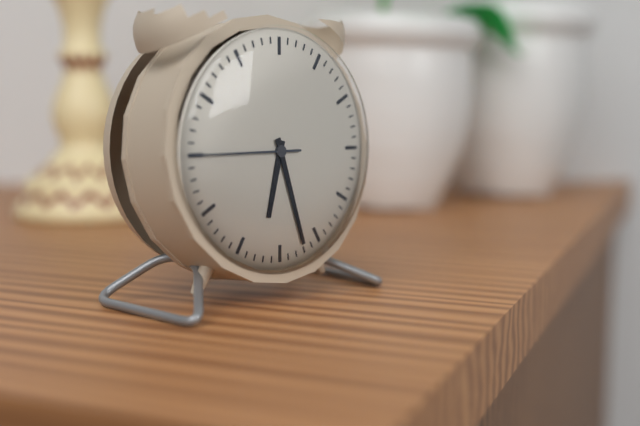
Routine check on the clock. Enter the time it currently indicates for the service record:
6:27:45
